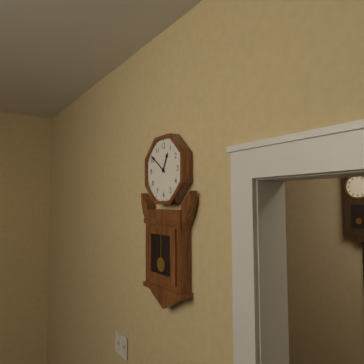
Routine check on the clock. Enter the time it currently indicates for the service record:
12:51
